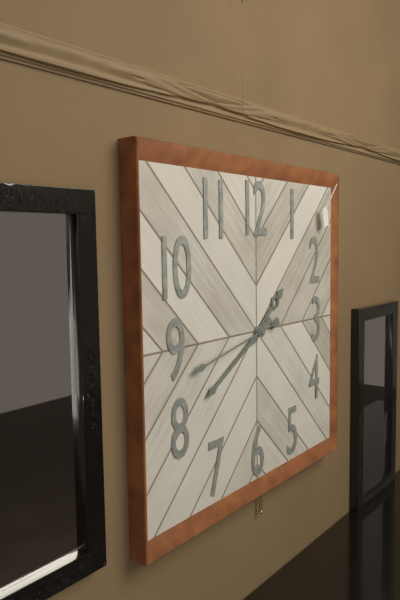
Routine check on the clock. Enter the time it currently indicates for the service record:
1:40:43
